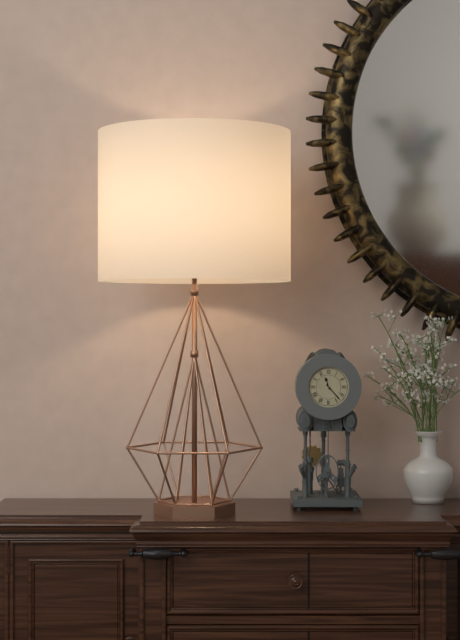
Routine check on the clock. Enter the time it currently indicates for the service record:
11:23
